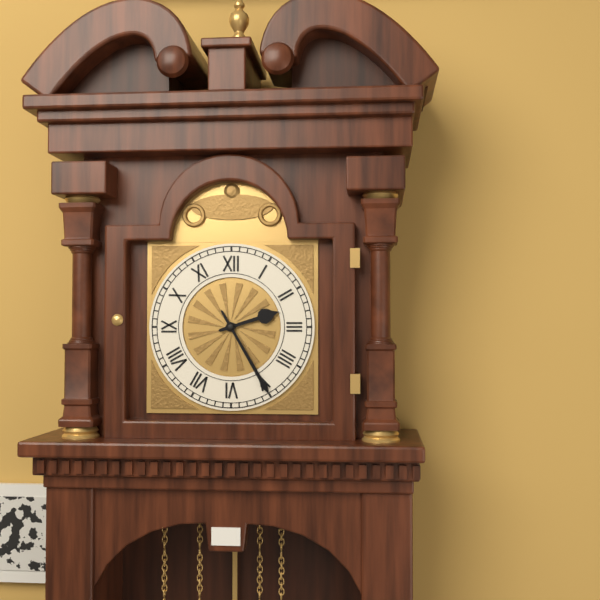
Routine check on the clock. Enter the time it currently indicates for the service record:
2:25
